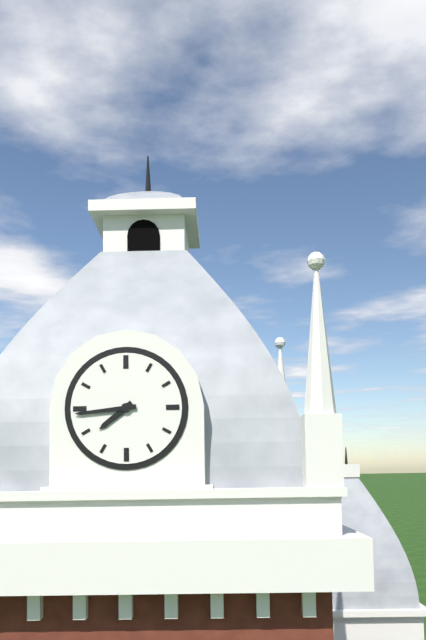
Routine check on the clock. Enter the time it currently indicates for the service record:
7:44
